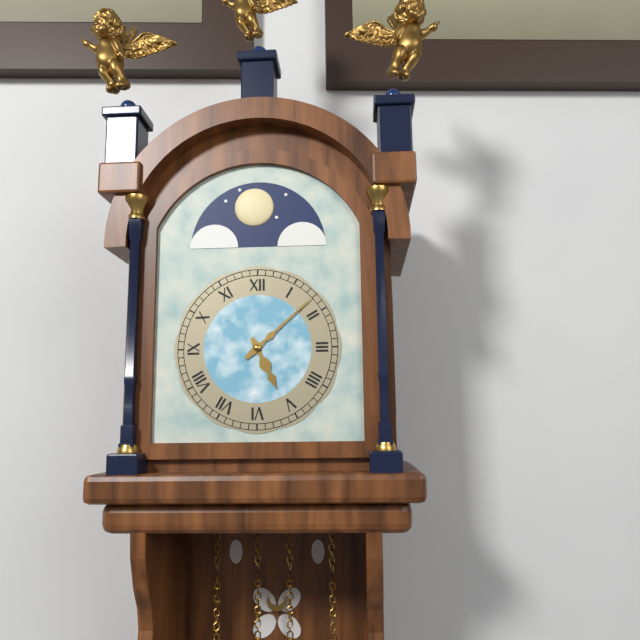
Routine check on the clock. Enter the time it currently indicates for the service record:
5:08
